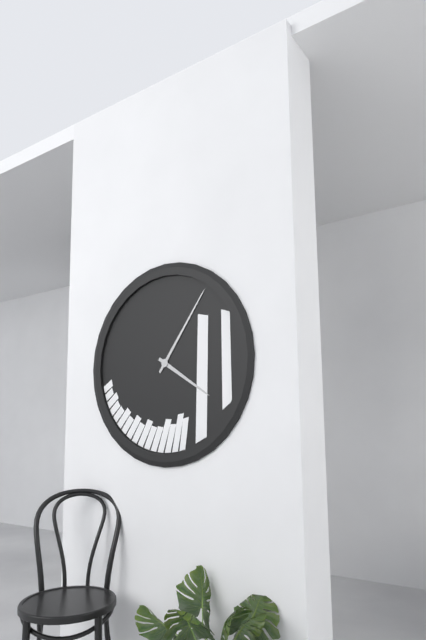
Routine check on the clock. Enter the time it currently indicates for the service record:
4:06
